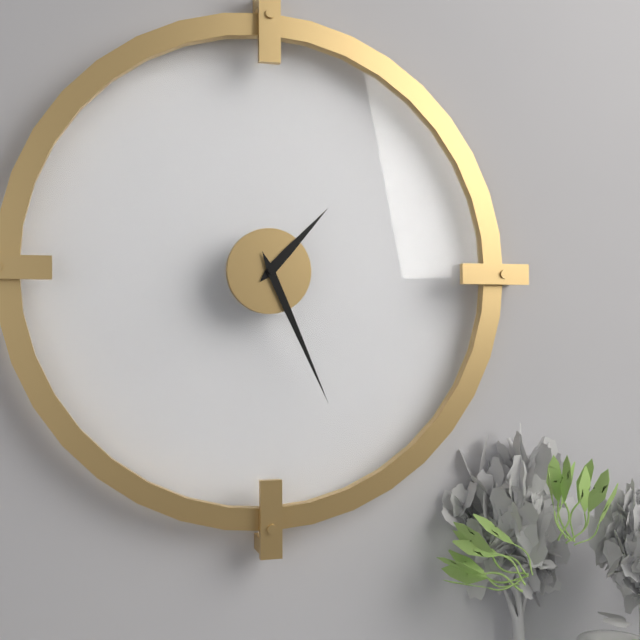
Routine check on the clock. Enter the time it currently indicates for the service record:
1:26
